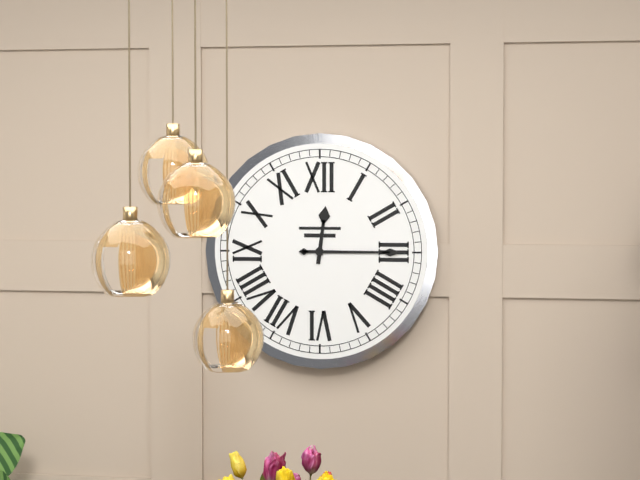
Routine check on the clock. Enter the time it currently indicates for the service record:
12:15
